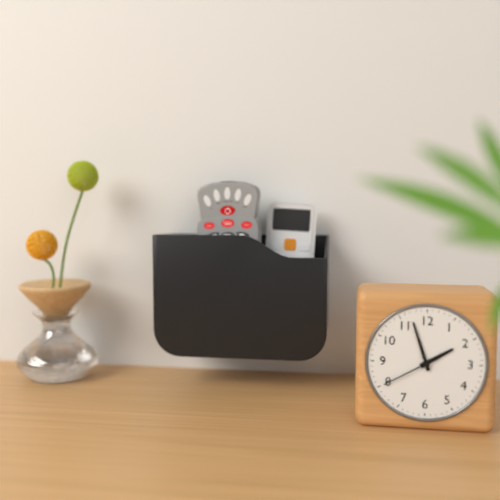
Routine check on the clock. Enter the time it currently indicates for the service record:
1:57:40
